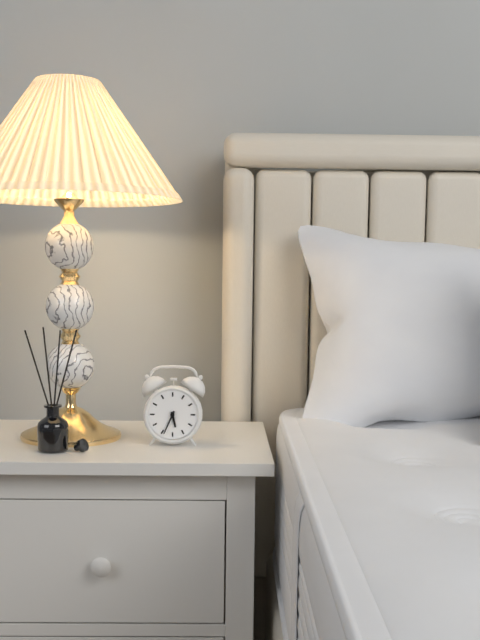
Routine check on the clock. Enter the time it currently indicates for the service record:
5:34
